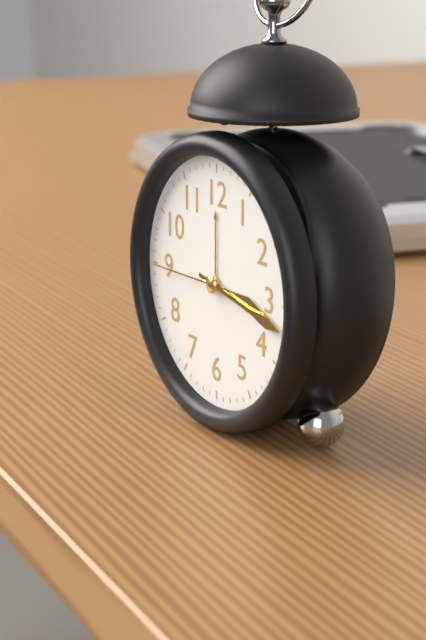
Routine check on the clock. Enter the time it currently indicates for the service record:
3:17:45
